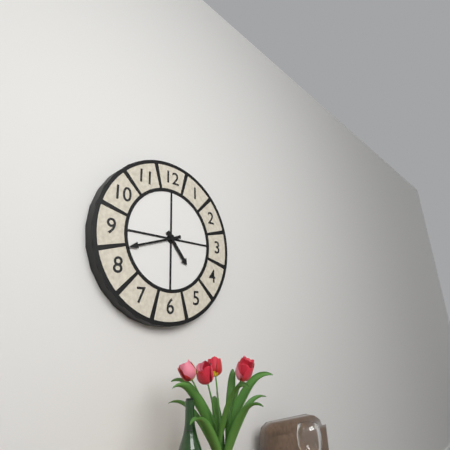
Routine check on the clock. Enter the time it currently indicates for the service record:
4:42
